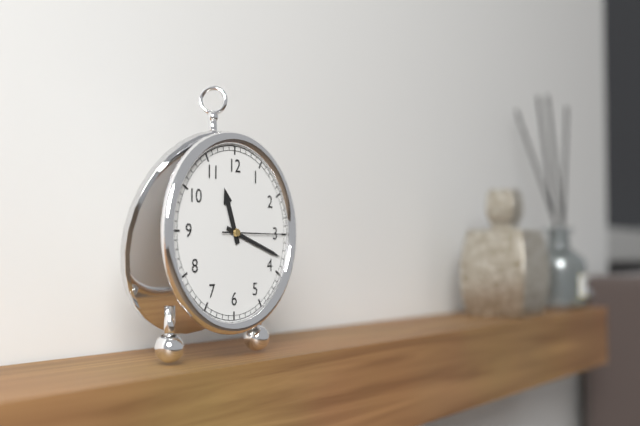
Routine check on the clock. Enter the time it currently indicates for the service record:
11:18:15
